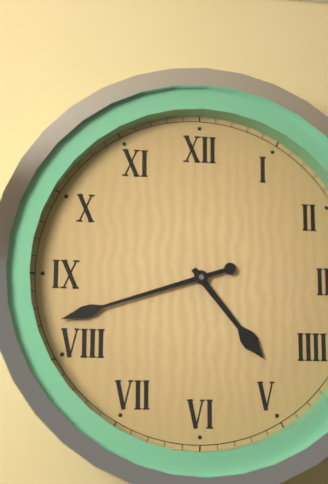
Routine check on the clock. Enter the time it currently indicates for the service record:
4:42
